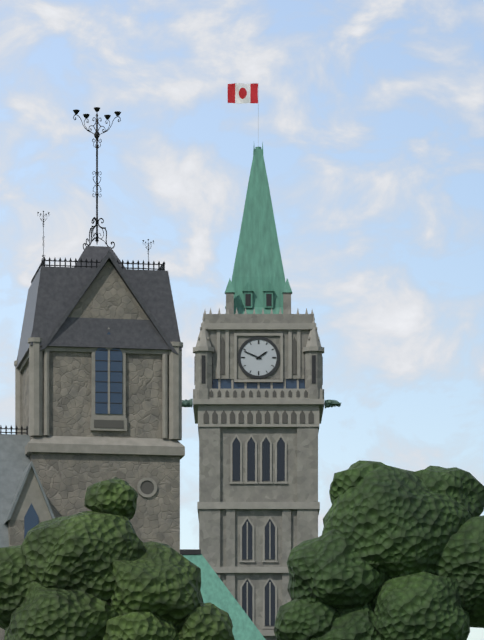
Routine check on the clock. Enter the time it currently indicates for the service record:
1:49
